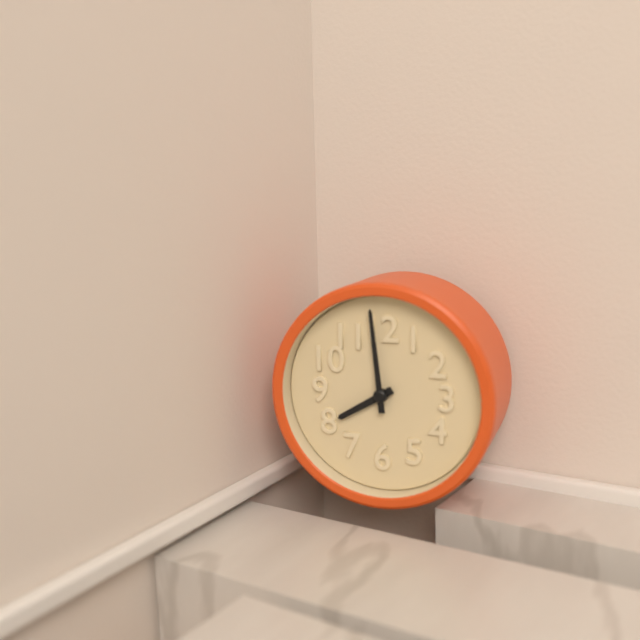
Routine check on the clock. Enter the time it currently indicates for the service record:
7:59
